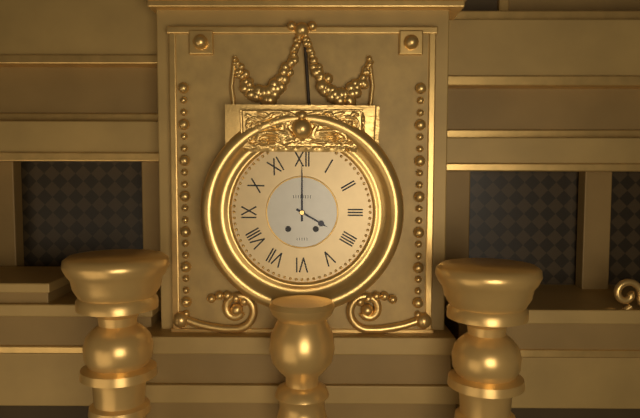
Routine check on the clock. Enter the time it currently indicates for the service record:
4:00
